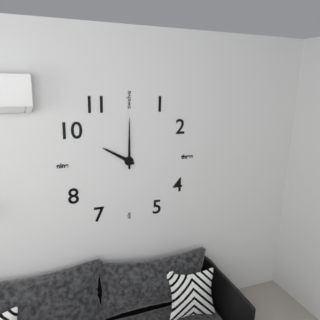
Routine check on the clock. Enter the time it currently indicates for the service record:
10:00
